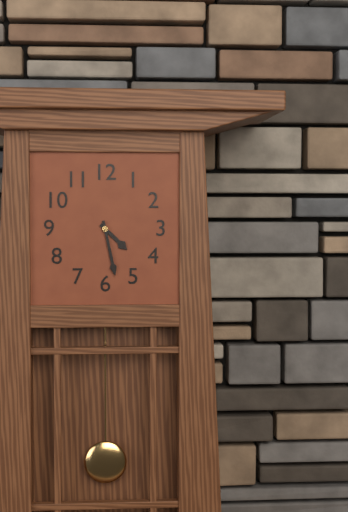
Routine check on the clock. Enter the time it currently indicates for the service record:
4:28
